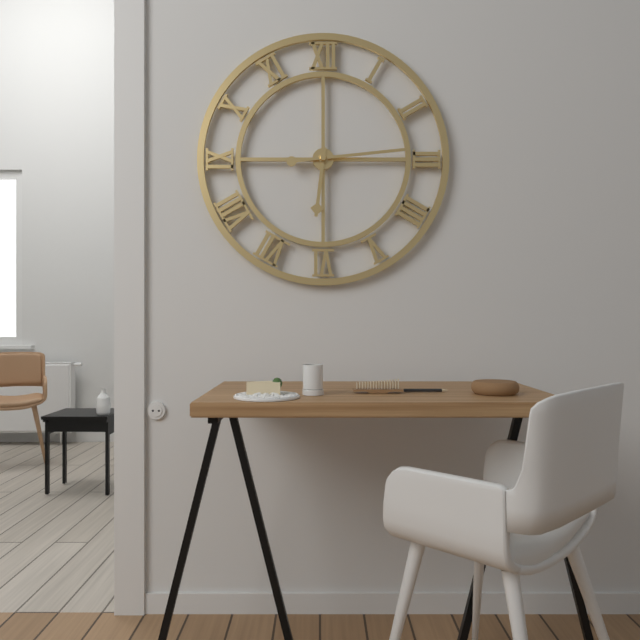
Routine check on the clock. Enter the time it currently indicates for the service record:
6:14
